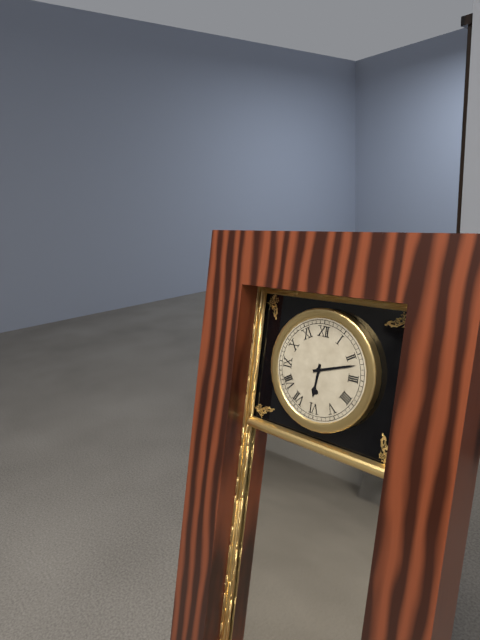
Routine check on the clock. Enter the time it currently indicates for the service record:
6:12
